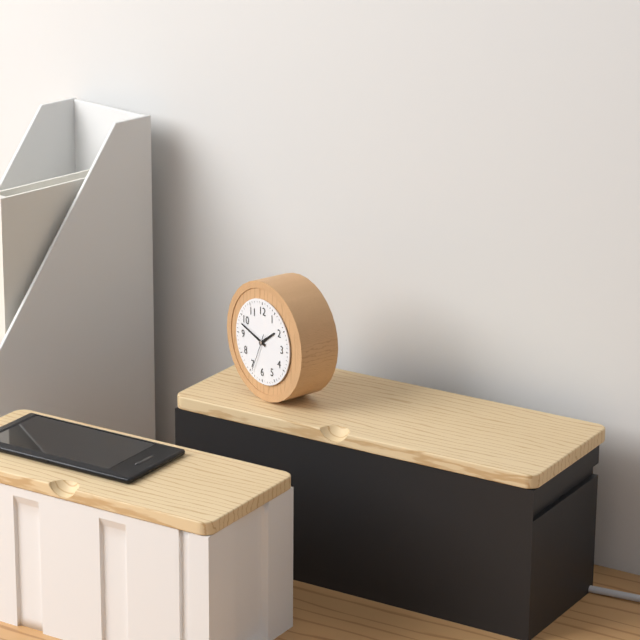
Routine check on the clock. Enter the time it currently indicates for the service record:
1:48
